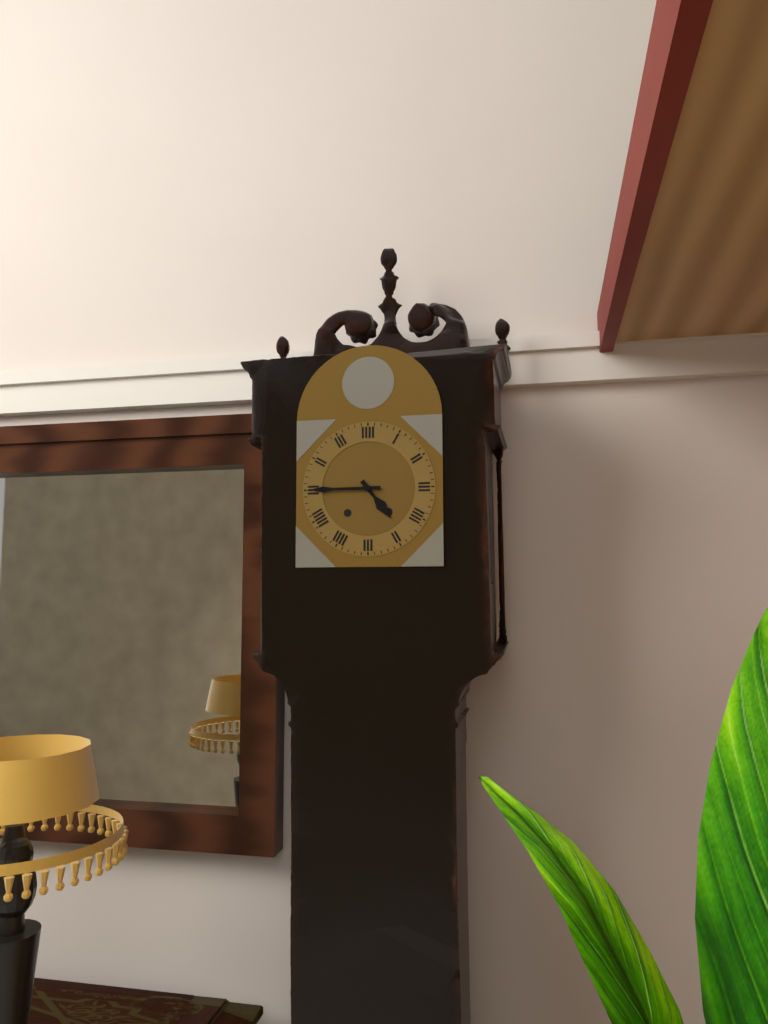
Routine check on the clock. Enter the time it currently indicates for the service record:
4:45
